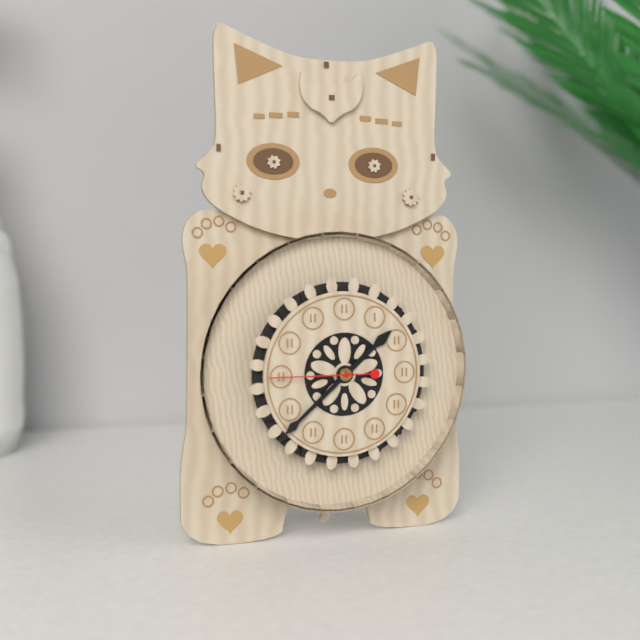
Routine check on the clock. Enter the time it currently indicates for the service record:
1:38:45
